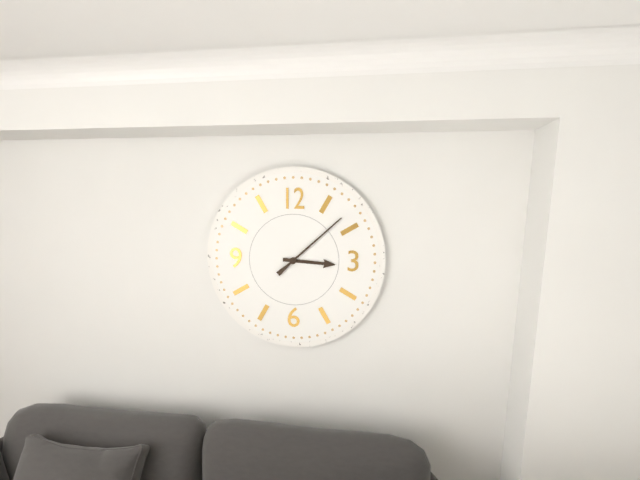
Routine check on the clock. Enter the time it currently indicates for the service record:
3:08
